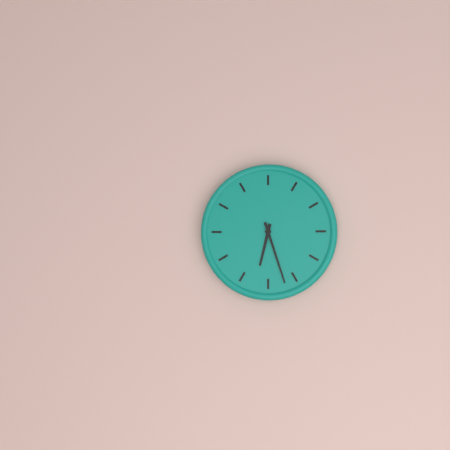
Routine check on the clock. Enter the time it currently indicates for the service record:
6:27
